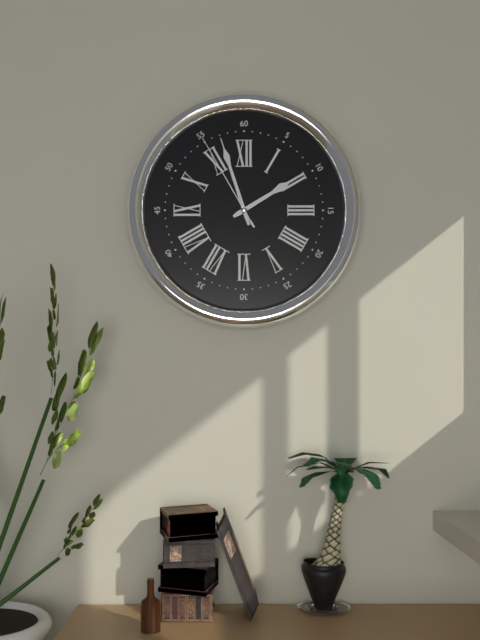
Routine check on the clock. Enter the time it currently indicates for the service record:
1:57:55
